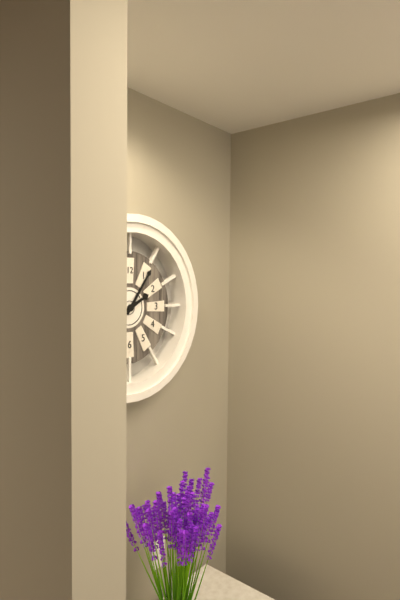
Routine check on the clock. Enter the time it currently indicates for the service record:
2:06
